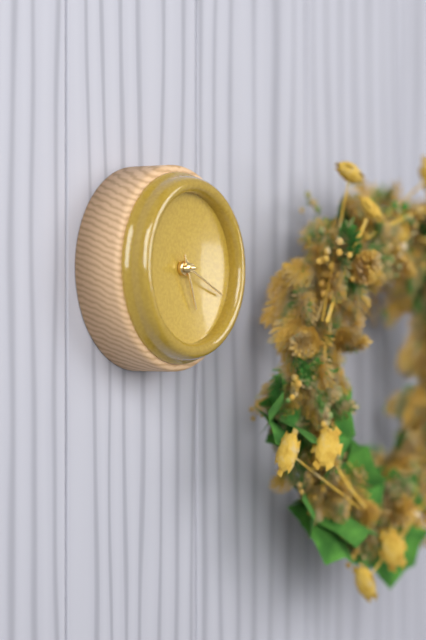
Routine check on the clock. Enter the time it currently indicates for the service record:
5:19
